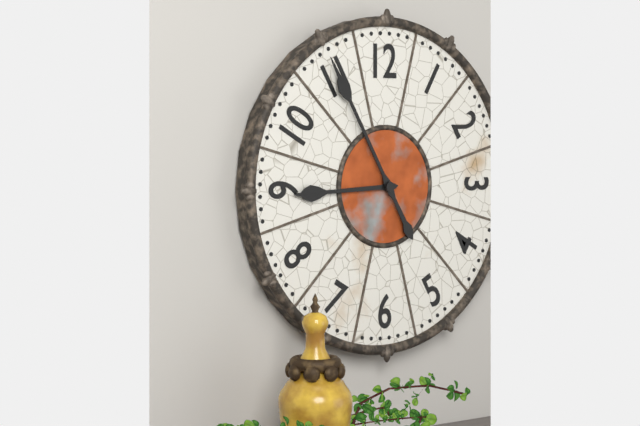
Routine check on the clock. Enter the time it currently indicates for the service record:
8:55
